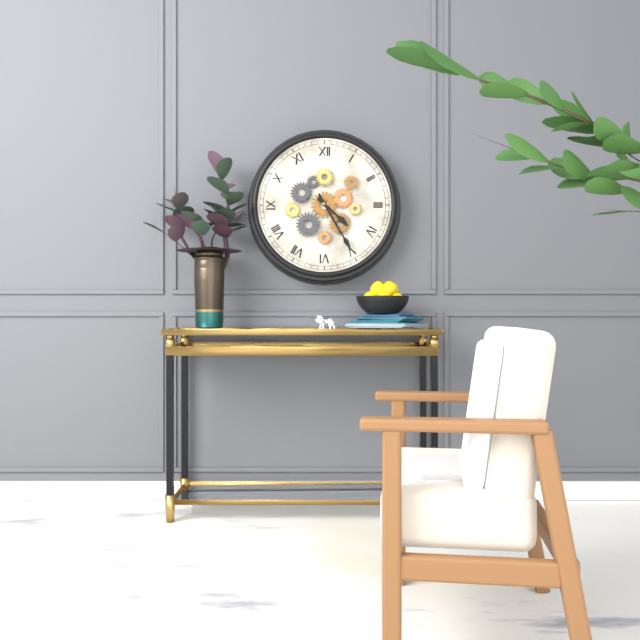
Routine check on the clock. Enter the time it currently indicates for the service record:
4:25
